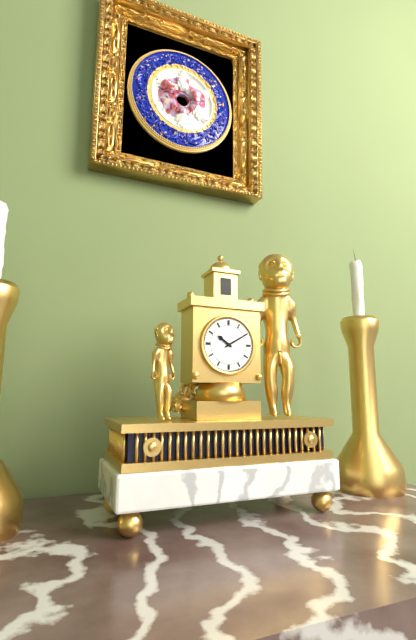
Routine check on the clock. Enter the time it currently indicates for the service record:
10:10
